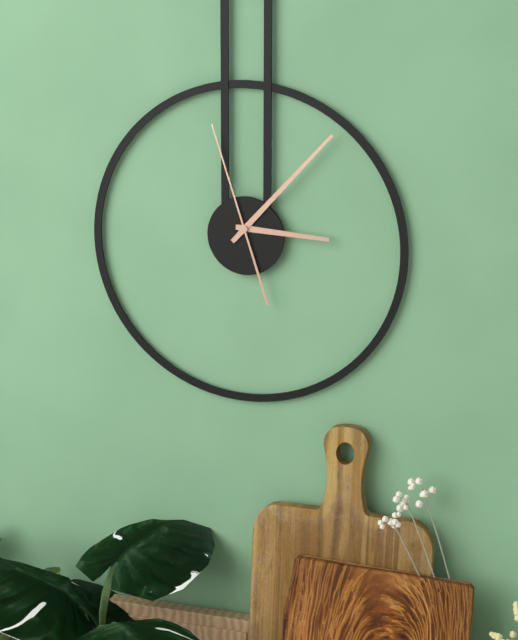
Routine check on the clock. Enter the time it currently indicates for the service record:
3:07:57
